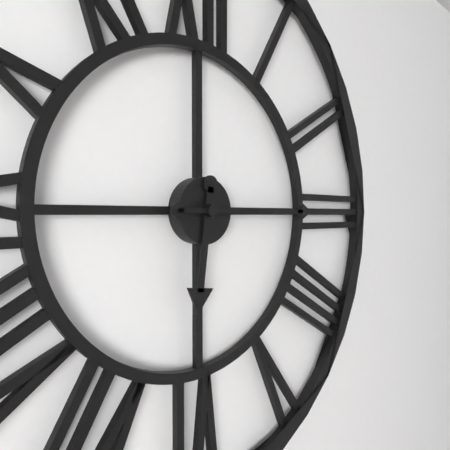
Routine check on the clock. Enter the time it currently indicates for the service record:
6:15
